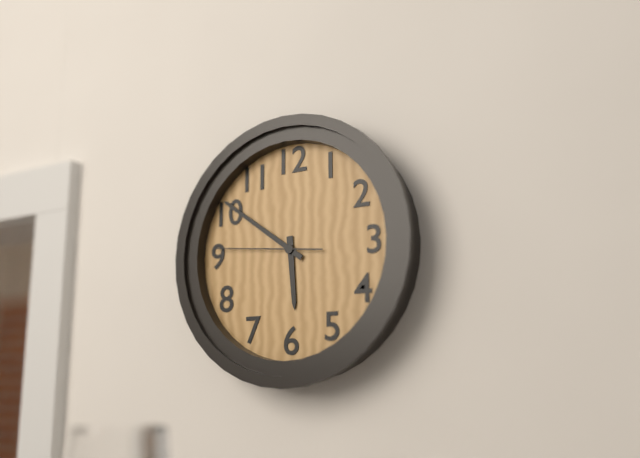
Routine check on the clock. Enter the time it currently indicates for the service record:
5:51:46
